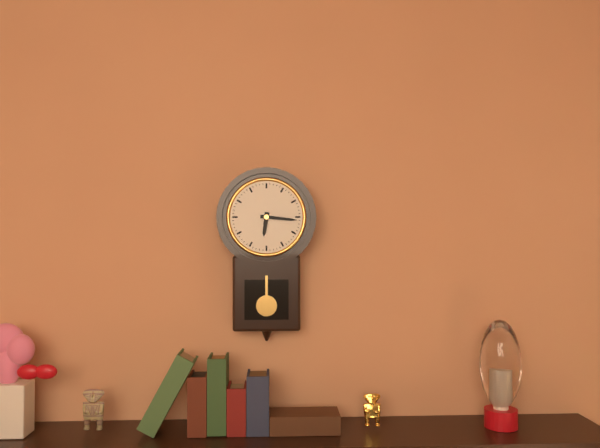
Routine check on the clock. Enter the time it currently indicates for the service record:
6:16
